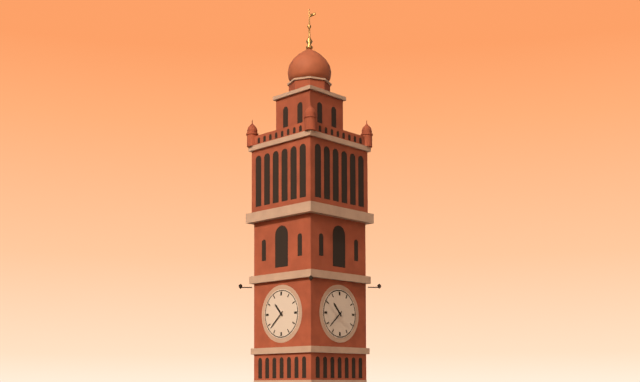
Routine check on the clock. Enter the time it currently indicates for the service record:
10:38
